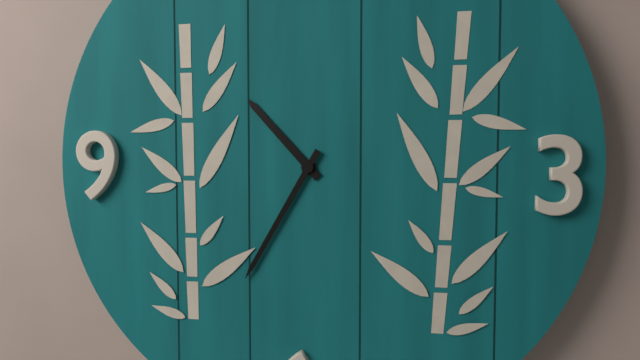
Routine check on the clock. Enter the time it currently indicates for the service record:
10:35
